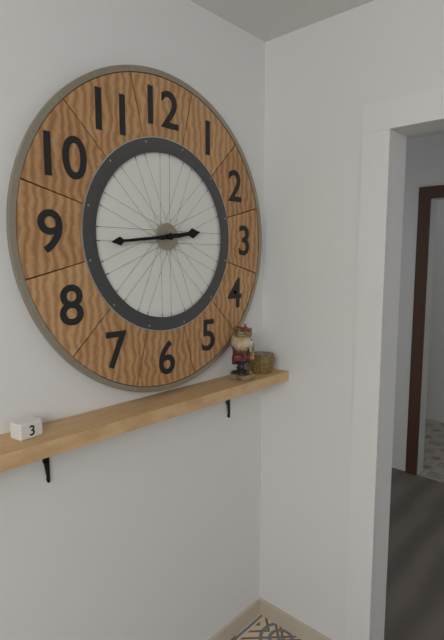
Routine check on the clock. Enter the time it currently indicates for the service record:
2:44
